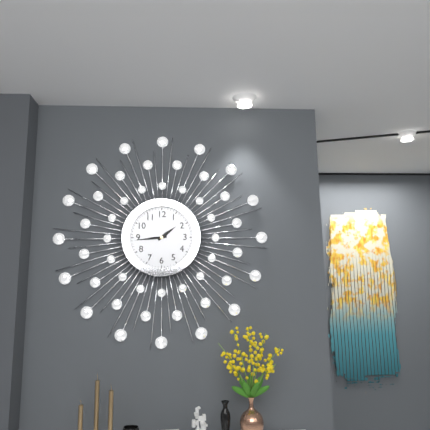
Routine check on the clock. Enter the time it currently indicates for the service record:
1:44
